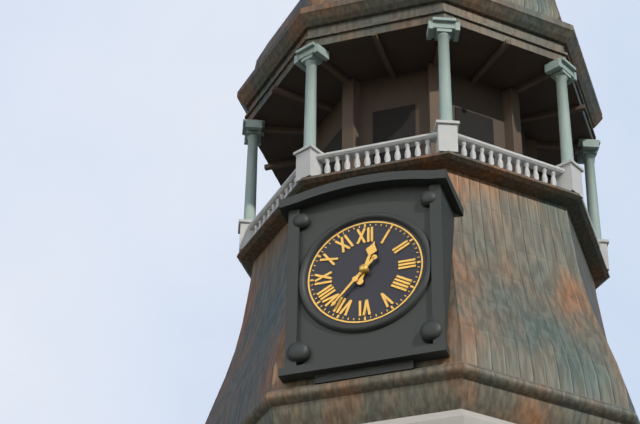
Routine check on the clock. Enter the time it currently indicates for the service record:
12:37
